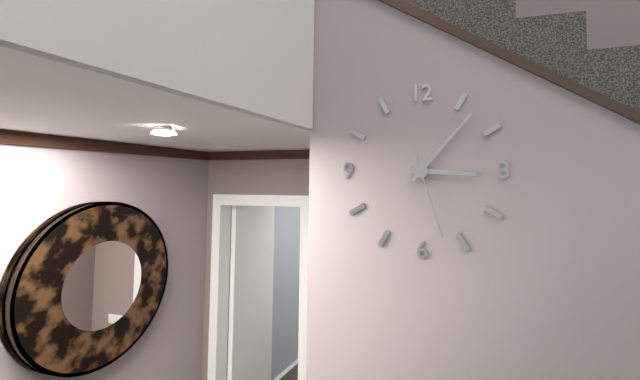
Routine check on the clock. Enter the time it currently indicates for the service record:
3:07:27
